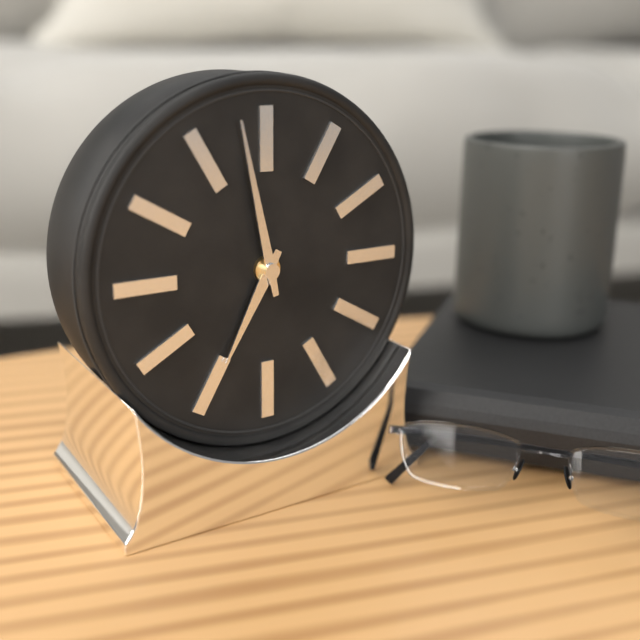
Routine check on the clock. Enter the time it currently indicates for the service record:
6:58
